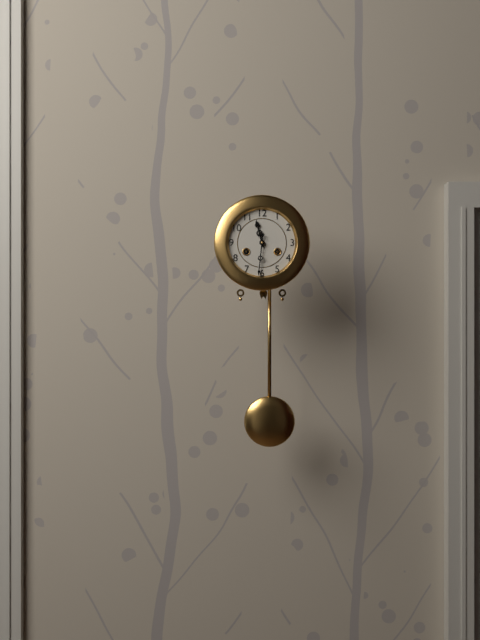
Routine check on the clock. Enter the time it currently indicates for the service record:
11:31
